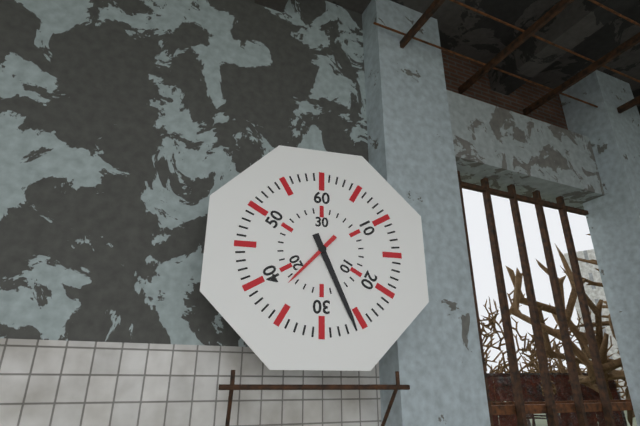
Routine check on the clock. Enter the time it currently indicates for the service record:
7:26
